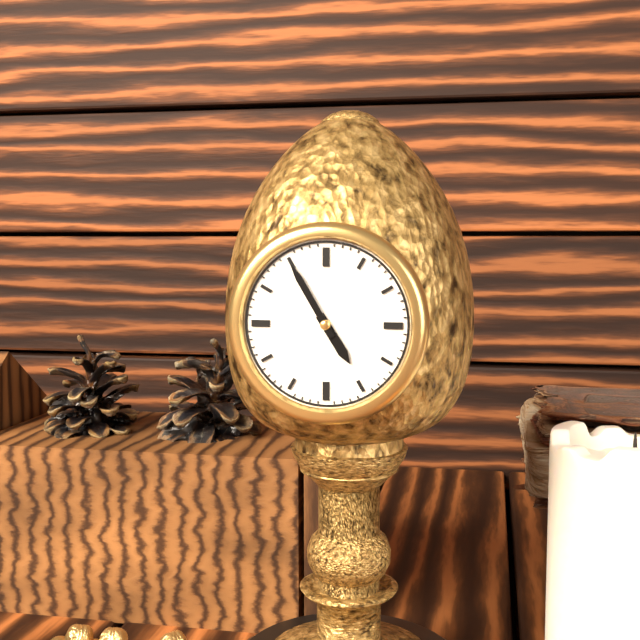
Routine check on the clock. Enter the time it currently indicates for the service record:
4:55
